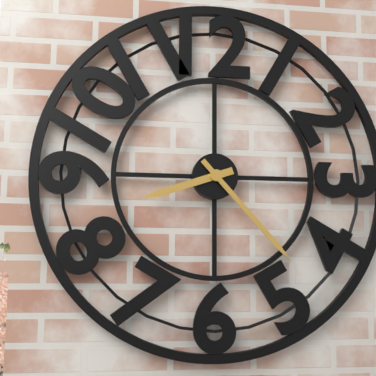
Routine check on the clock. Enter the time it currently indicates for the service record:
8:23
